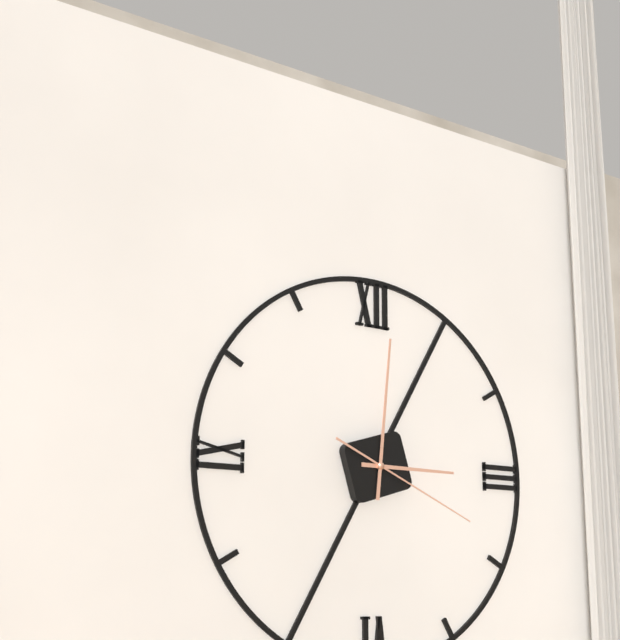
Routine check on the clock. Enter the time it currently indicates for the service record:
3:01:19
